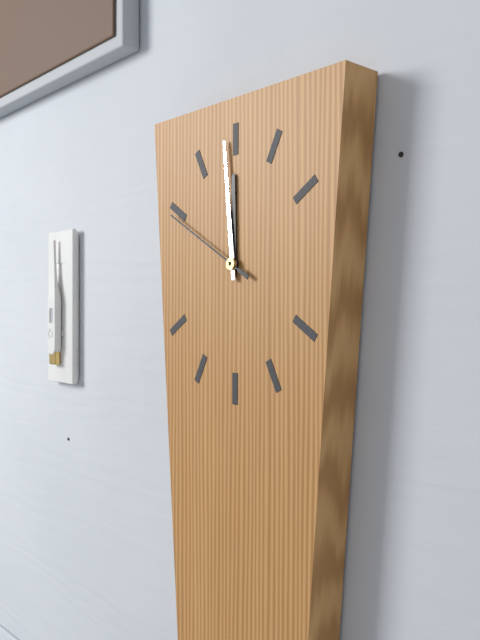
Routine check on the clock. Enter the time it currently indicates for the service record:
11:59:50
